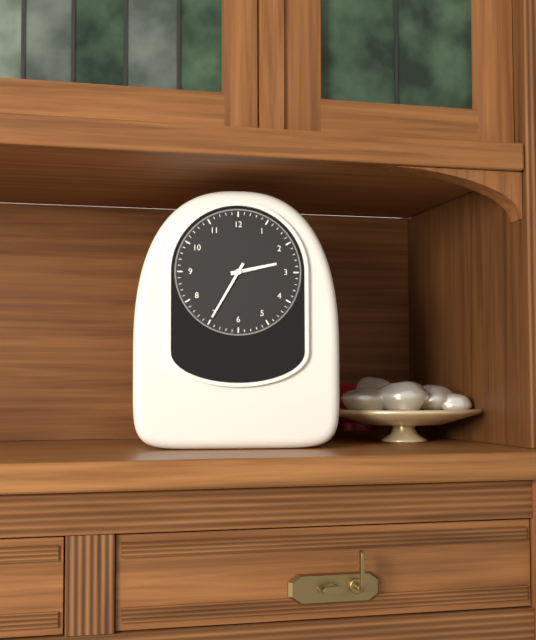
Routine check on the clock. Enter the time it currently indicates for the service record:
2:35
